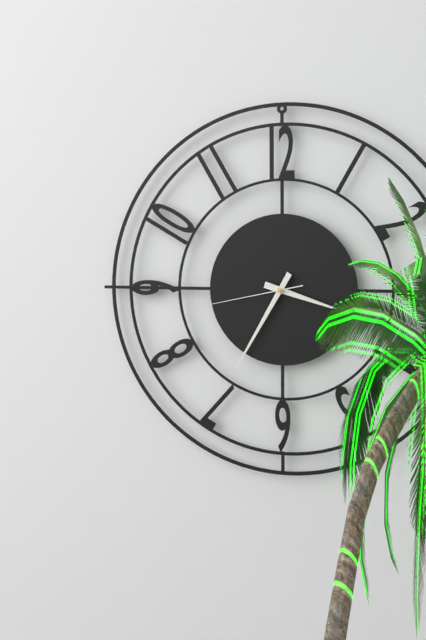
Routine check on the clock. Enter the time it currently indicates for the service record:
3:35:43
